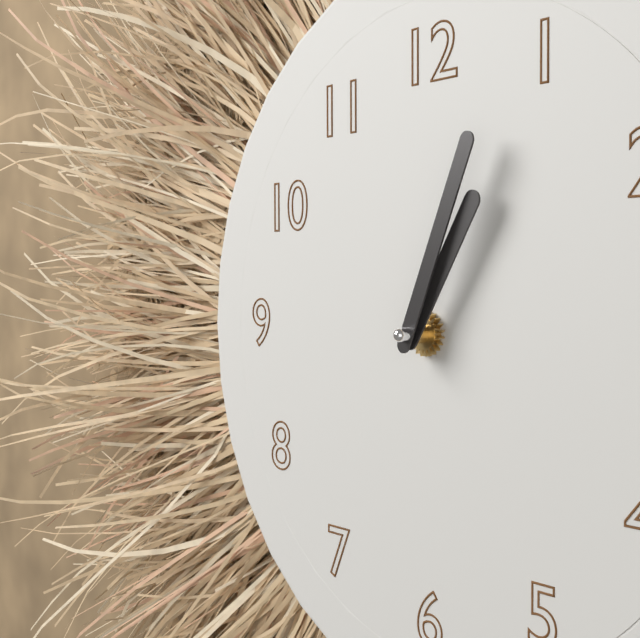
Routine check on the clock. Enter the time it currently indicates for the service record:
1:04
